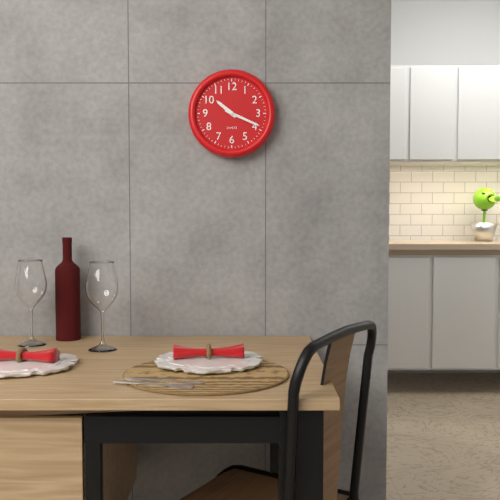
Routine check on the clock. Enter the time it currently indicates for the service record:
10:19
